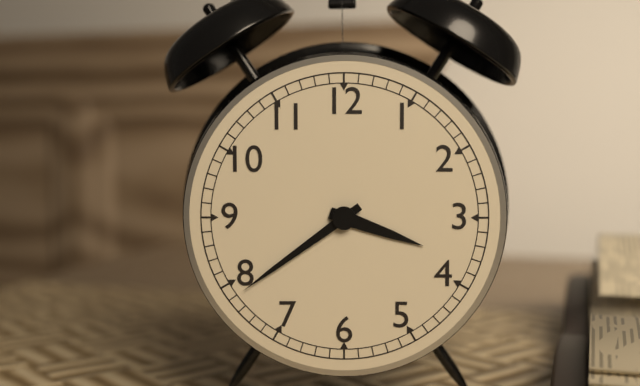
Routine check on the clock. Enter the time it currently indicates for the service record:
3:39
